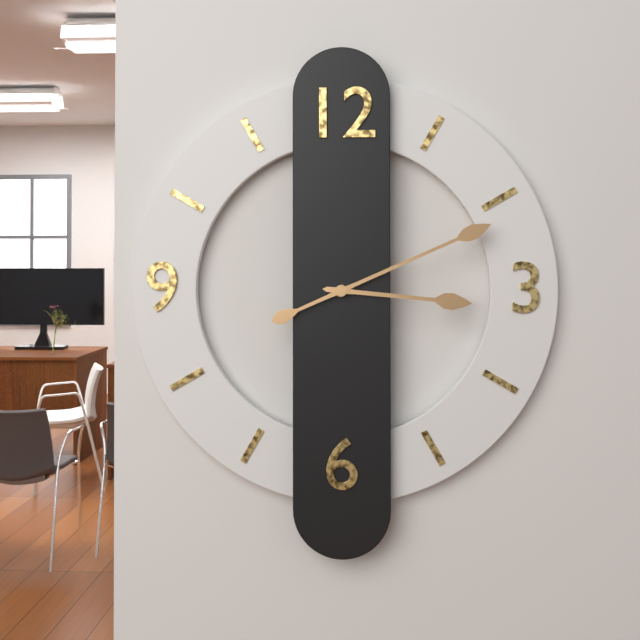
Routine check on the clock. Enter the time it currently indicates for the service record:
3:11
